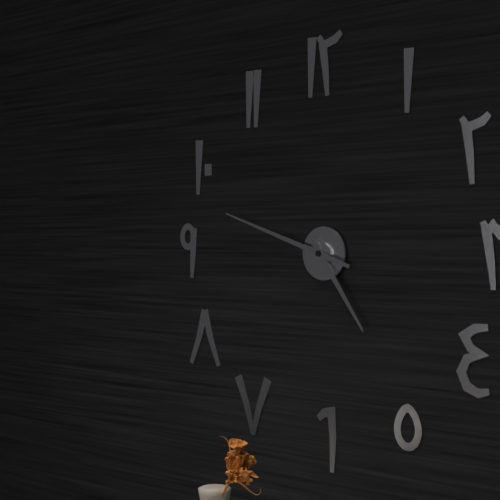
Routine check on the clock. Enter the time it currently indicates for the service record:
4:48
